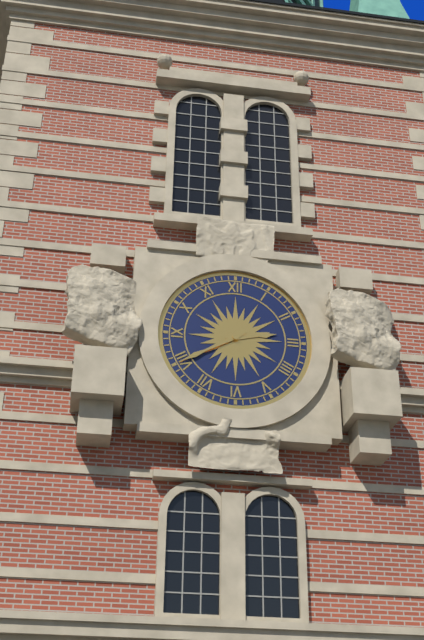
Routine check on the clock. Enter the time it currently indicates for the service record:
2:40
